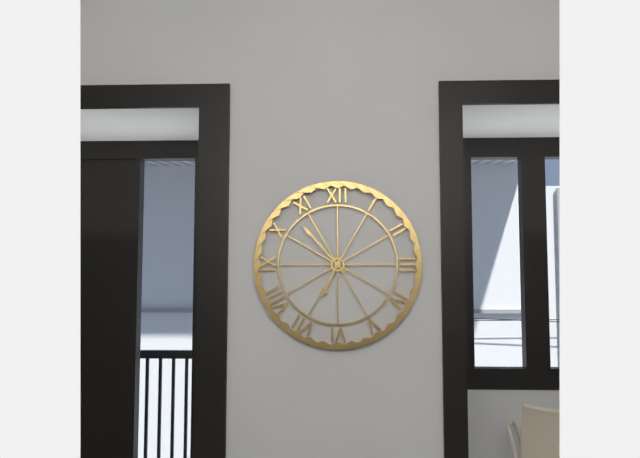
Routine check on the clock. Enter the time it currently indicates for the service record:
6:53
